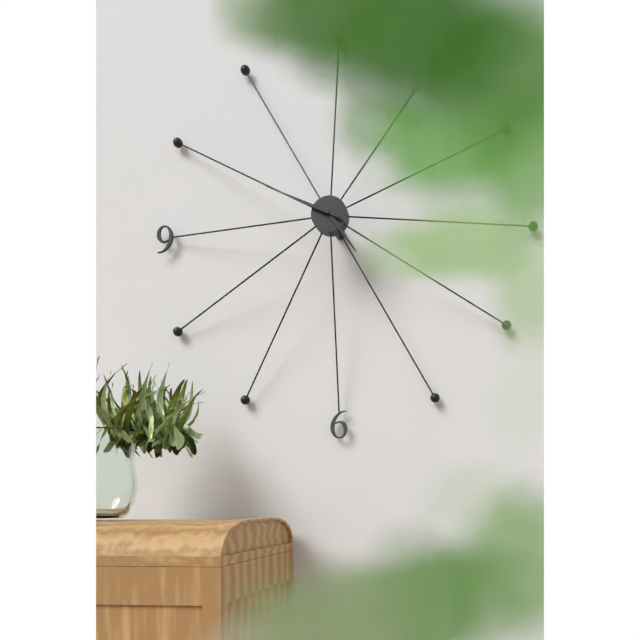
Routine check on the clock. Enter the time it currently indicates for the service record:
4:49
